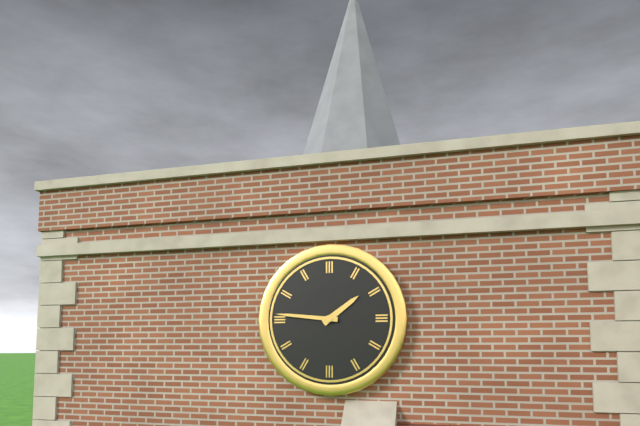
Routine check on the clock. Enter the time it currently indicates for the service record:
1:46
